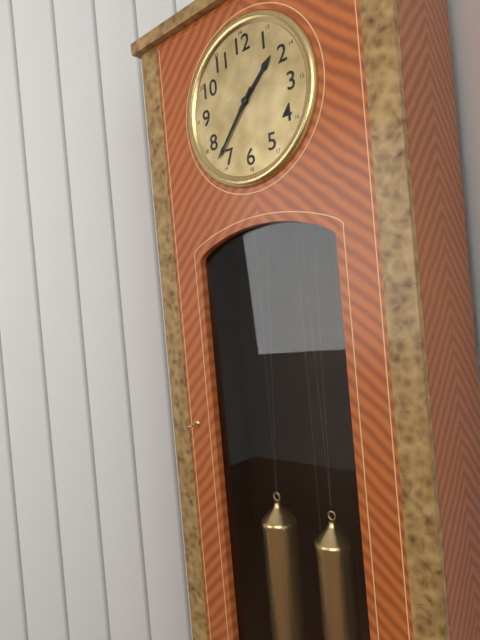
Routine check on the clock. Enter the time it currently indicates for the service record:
1:37
